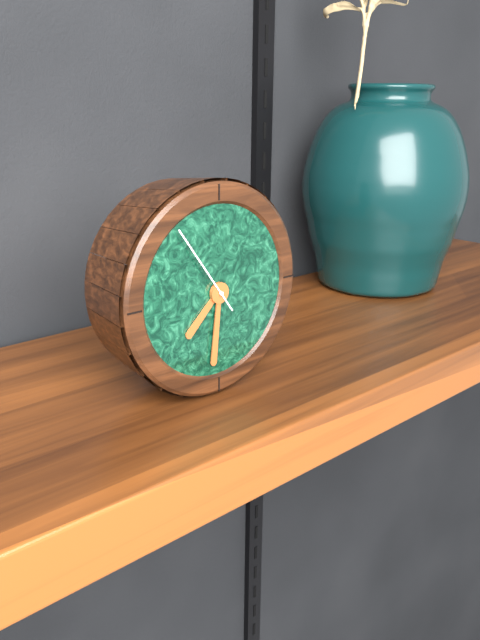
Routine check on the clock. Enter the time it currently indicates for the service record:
7:31:54
